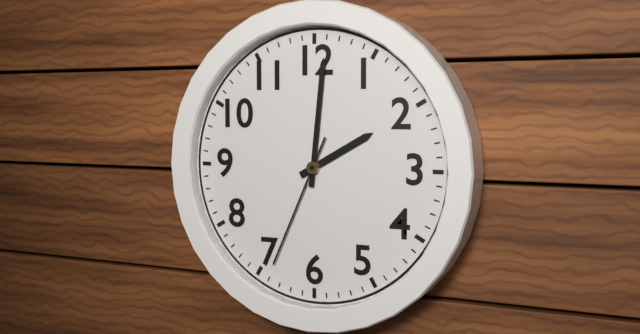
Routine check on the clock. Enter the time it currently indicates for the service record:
2:01:34
